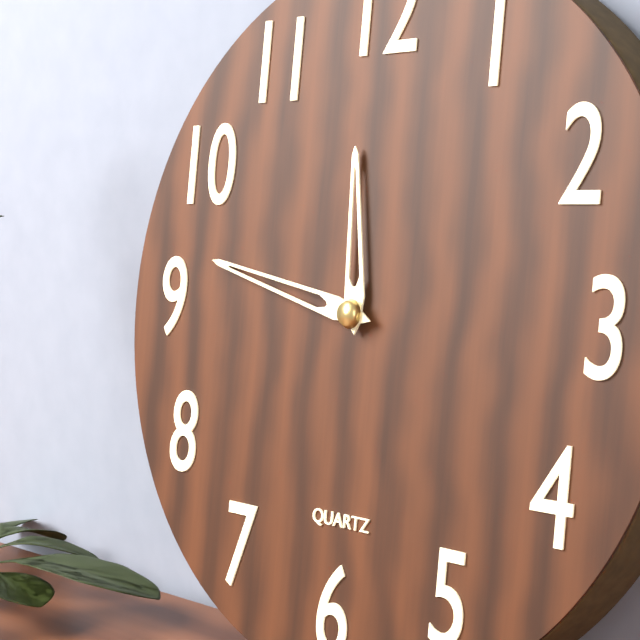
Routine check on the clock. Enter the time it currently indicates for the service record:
11:47
